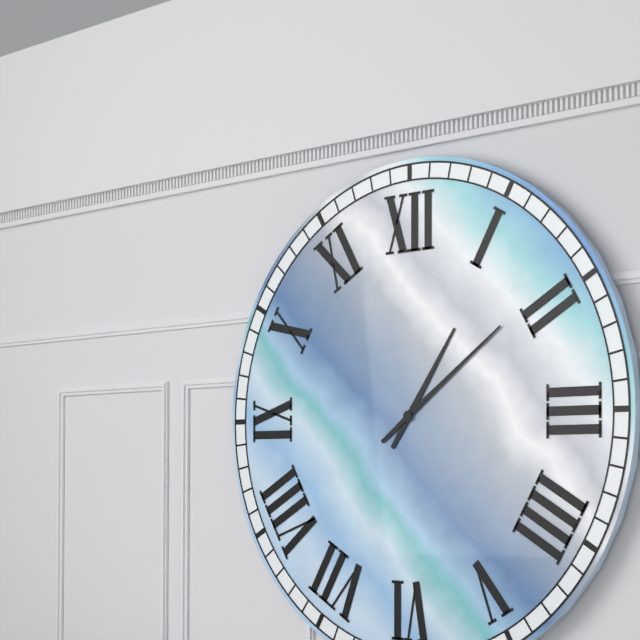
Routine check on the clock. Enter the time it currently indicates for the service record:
1:09
